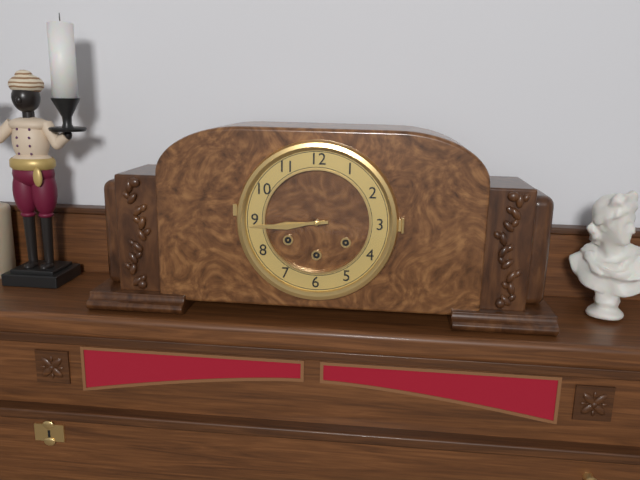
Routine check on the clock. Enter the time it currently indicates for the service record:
8:44
